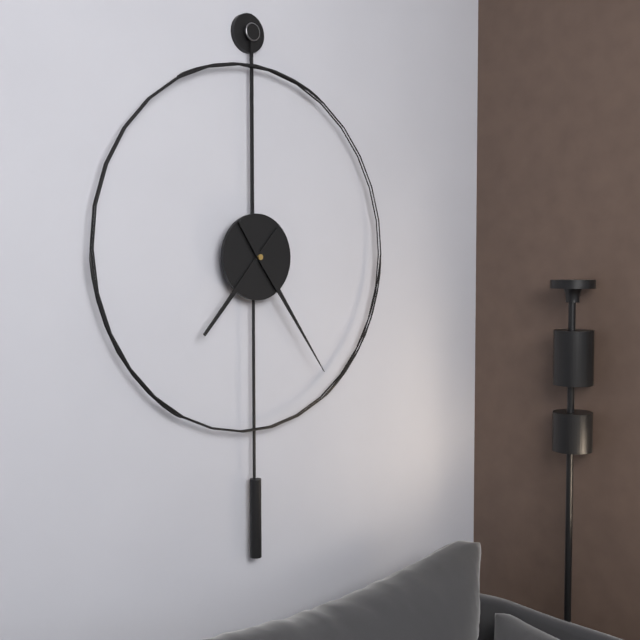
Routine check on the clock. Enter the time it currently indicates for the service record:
7:24
